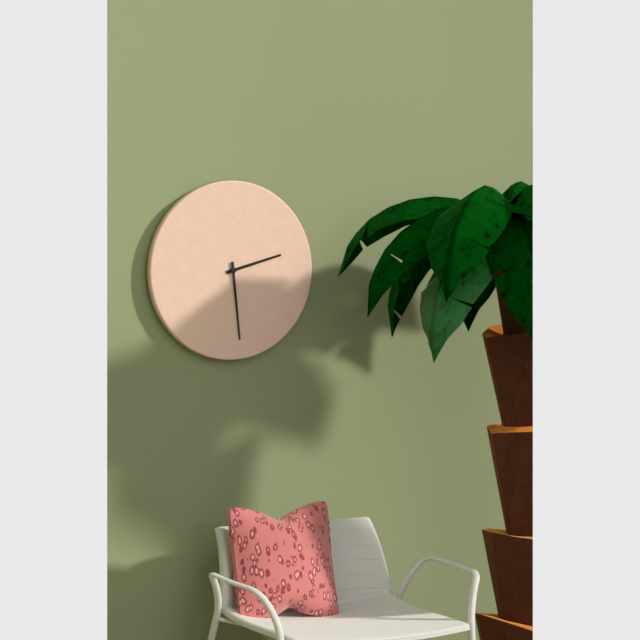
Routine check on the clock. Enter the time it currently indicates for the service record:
2:29
